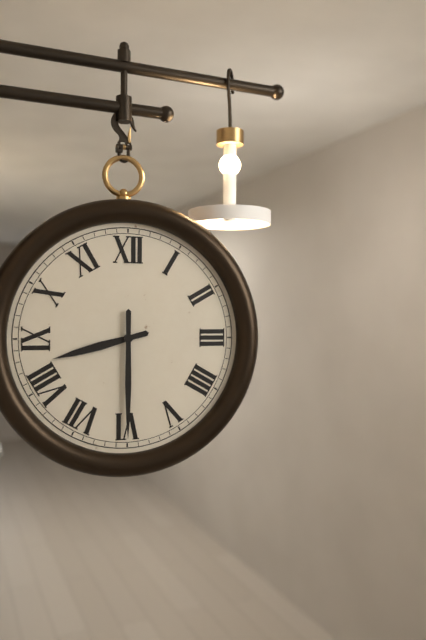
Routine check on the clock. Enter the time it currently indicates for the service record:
8:30
